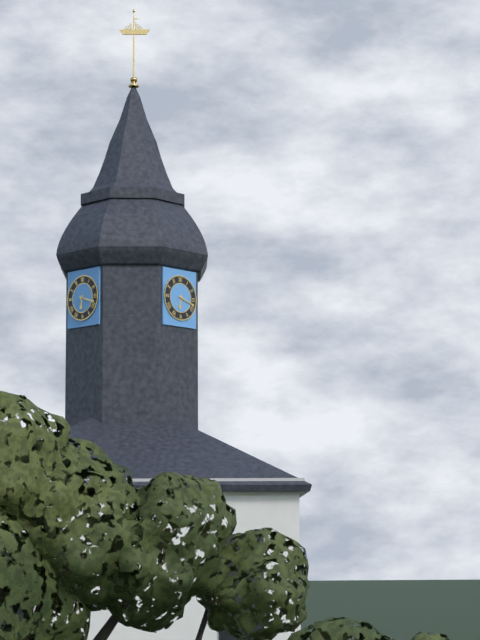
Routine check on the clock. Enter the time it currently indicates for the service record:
6:18
